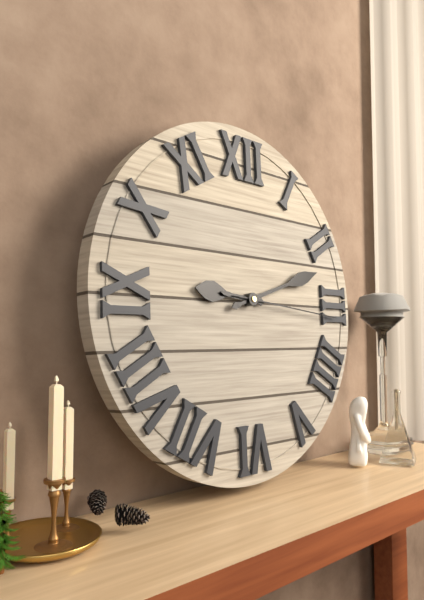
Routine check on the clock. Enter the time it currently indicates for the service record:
9:12:16
